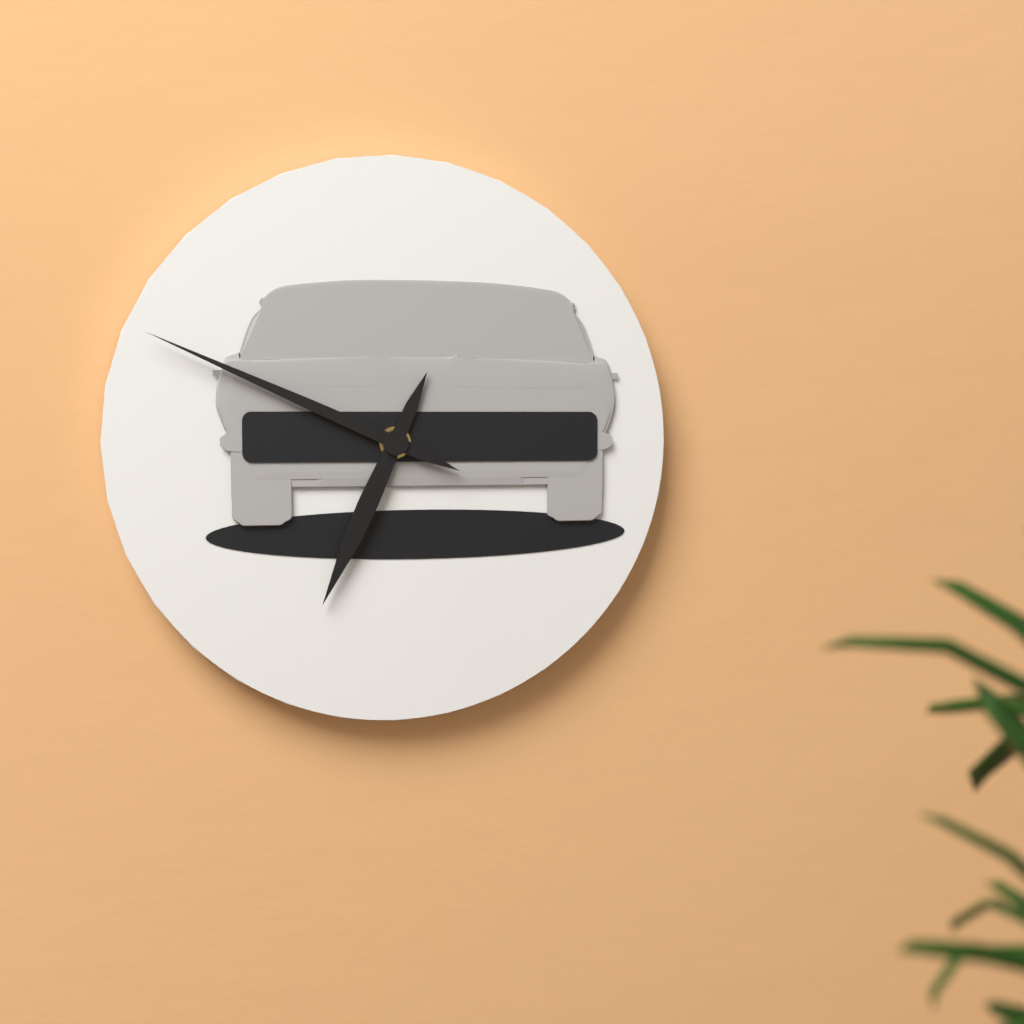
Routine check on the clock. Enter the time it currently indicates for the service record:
6:49
